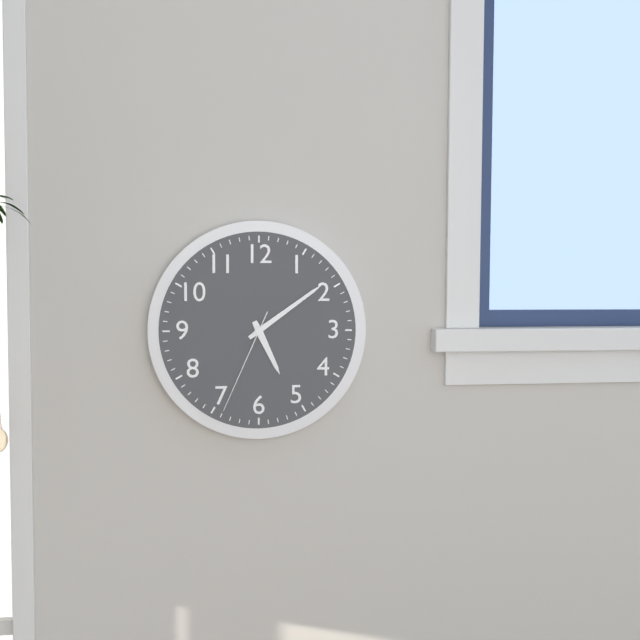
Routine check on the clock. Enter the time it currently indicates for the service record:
5:09:34
